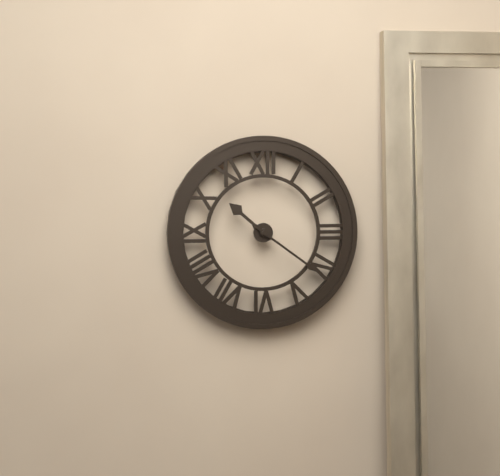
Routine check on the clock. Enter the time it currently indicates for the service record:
10:21
